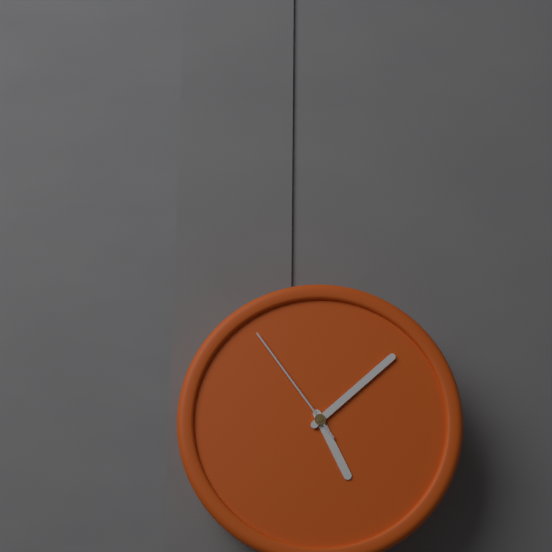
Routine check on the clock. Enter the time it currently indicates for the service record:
5:08:54
